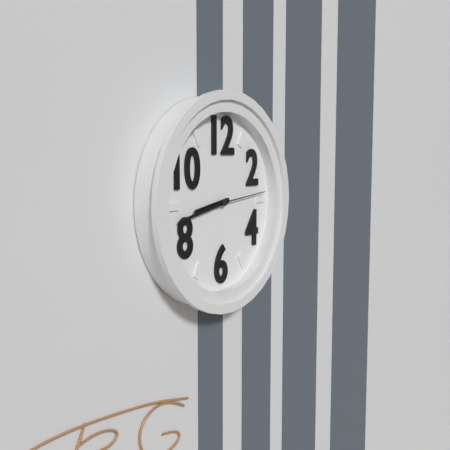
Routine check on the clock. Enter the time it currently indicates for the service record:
8:43:14
